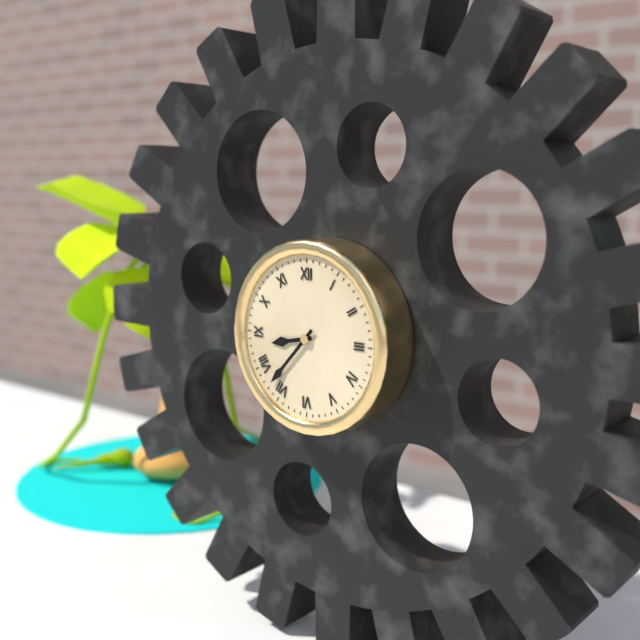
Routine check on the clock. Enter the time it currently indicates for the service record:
8:37
